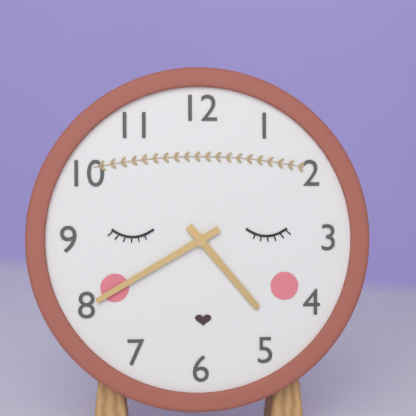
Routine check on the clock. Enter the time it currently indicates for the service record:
4:40
